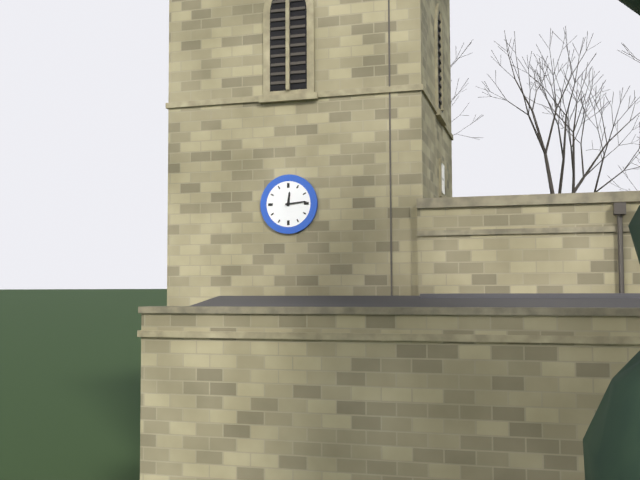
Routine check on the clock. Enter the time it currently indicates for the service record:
12:14
